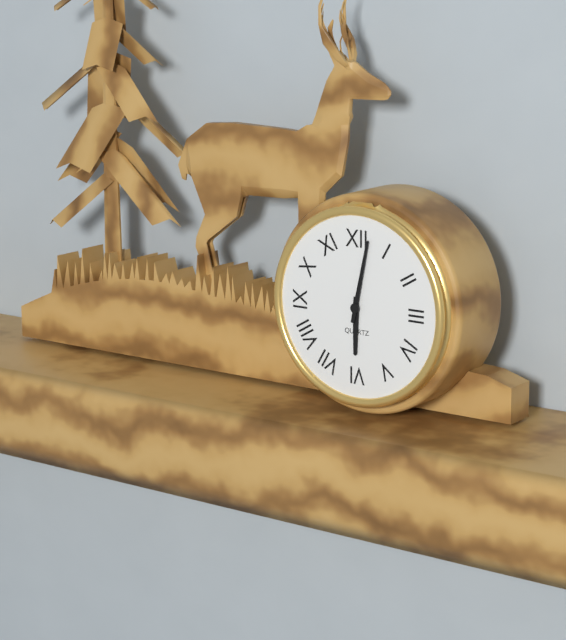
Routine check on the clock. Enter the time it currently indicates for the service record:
6:02
